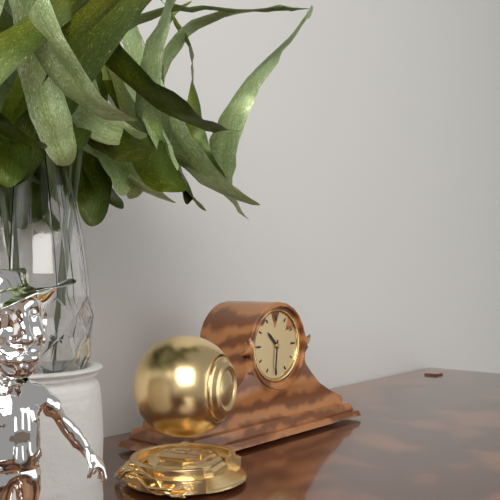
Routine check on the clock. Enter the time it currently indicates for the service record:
10:31
